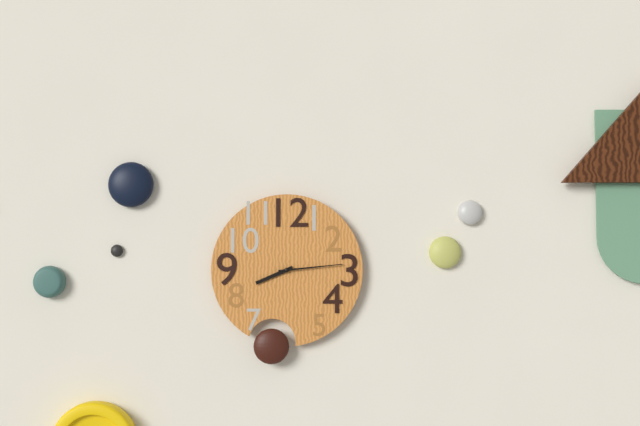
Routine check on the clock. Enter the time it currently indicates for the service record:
8:14
